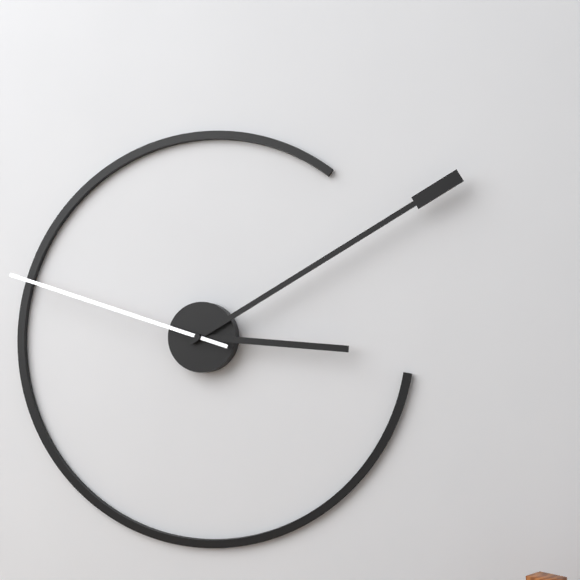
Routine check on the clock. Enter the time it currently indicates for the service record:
3:10:48
